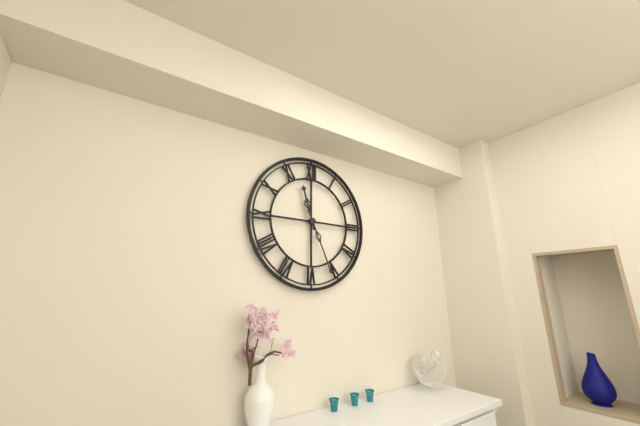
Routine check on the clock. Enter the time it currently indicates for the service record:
11:26
